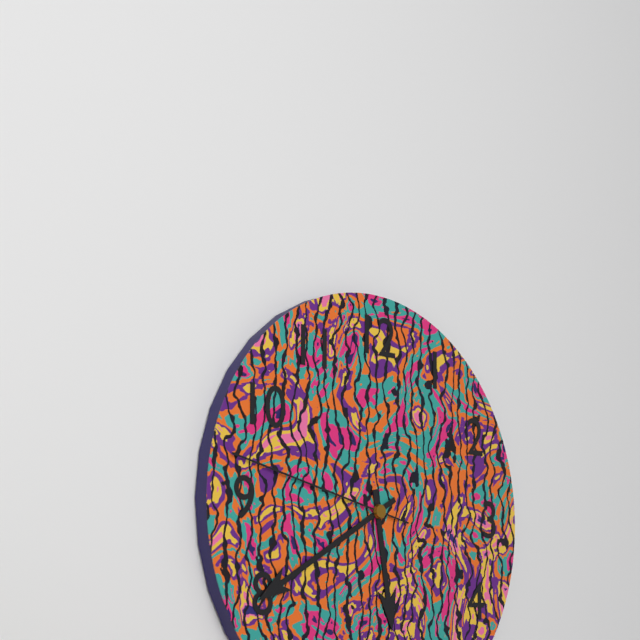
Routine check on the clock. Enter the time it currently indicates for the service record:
5:40:47
